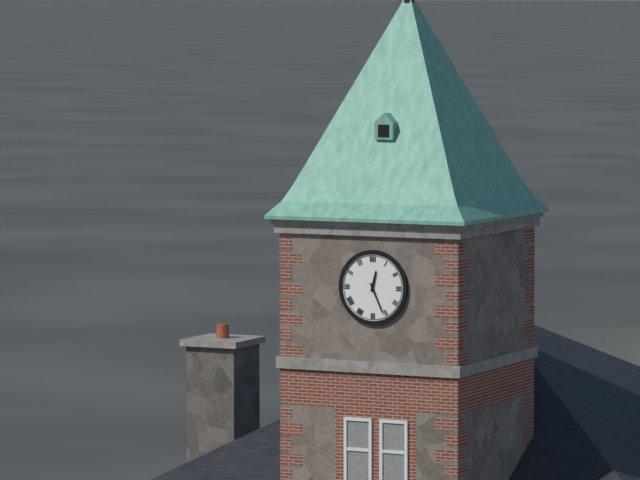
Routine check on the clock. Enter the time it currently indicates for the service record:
12:26
